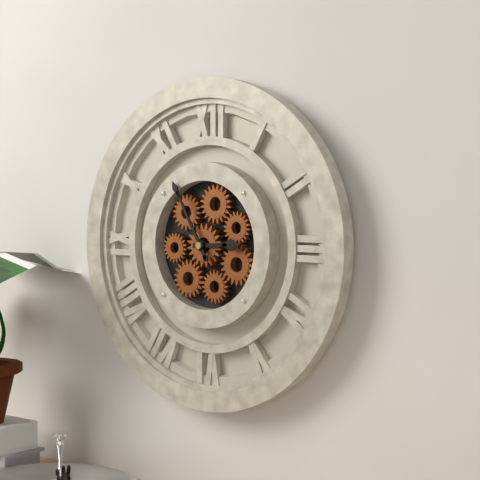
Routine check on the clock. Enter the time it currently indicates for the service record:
2:55
